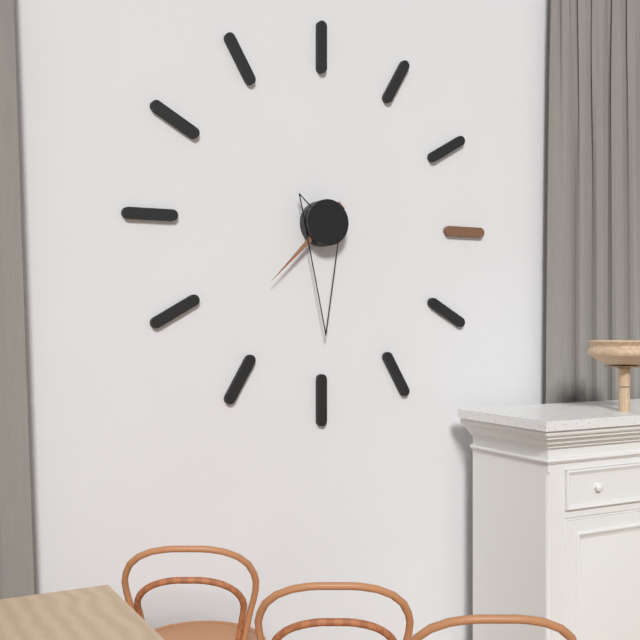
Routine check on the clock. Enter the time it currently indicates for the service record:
7:30
